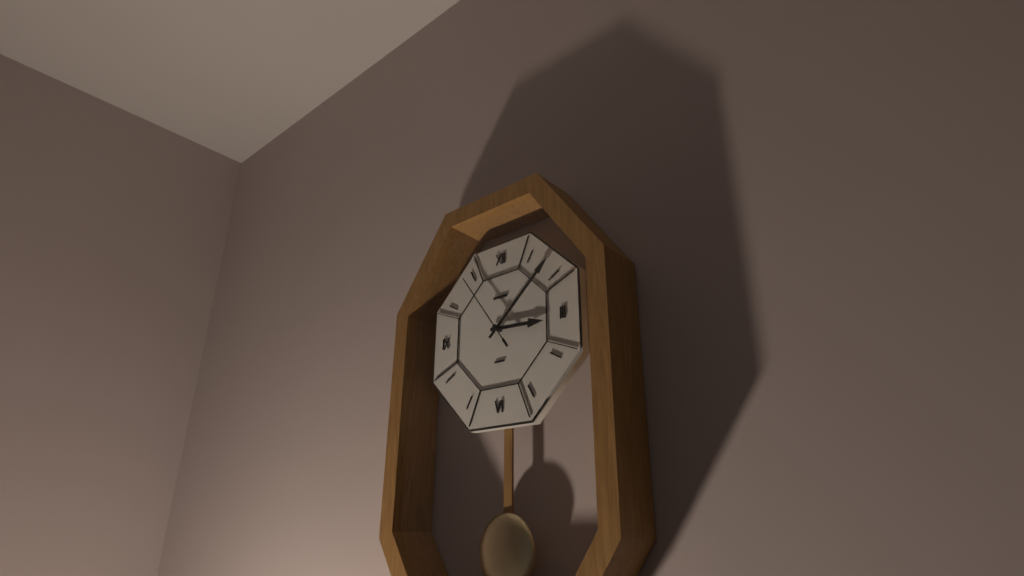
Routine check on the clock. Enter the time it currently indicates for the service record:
3:08:54
